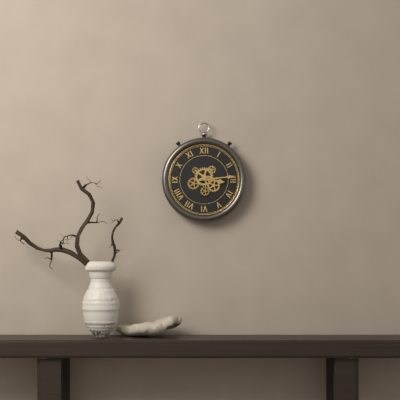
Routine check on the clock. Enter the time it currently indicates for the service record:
3:14
